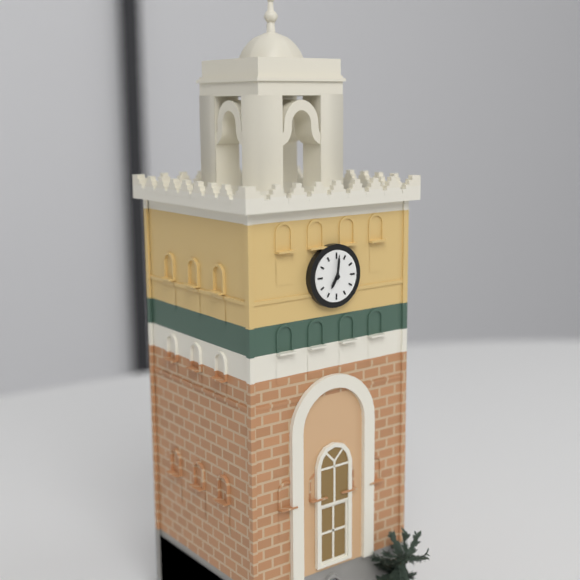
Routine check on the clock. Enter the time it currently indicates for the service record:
7:01
